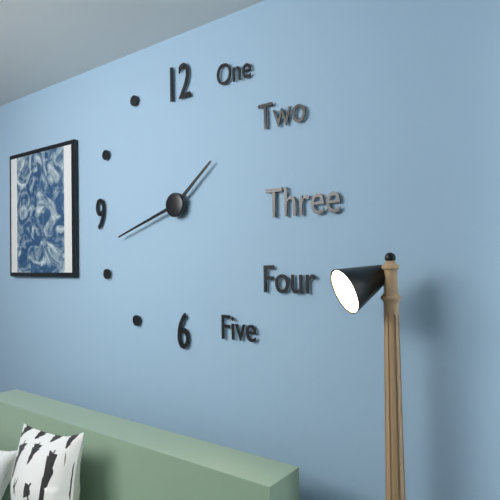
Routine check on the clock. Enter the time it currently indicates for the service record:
1:42
